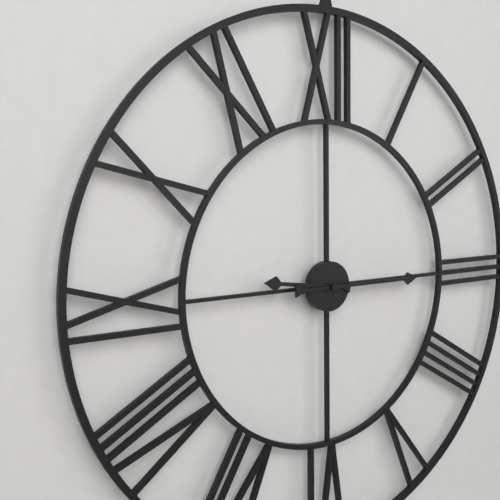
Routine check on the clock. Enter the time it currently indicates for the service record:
9:15
